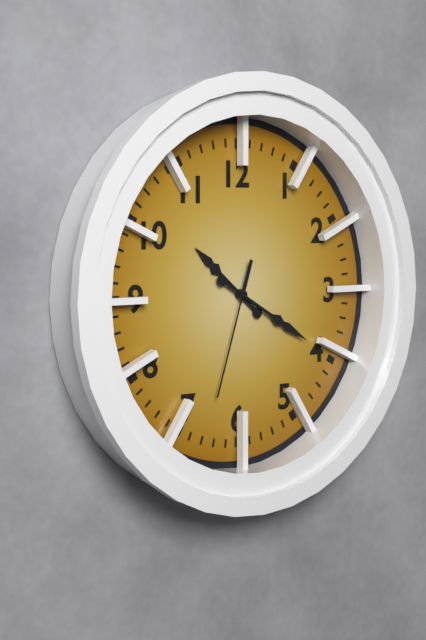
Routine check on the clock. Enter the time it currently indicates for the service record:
10:20:33
